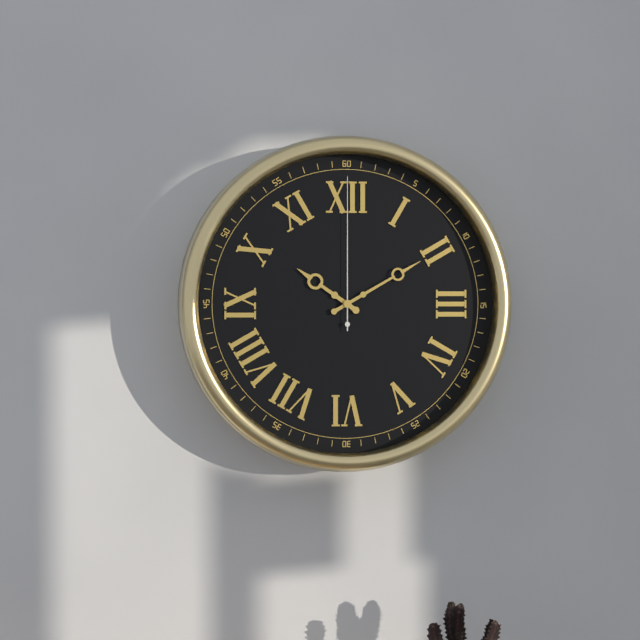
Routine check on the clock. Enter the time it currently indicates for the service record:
10:10:00
